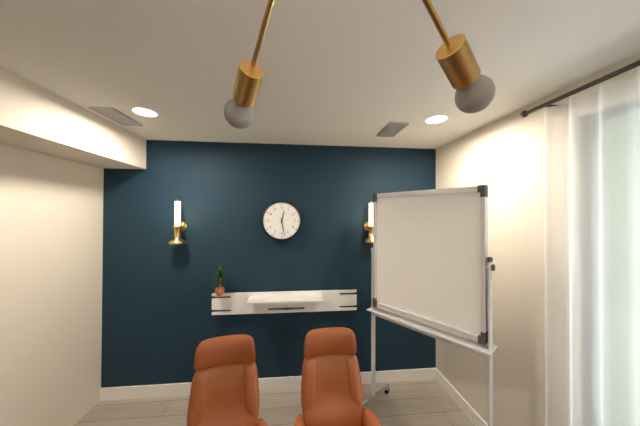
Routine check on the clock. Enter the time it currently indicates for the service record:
12:28
